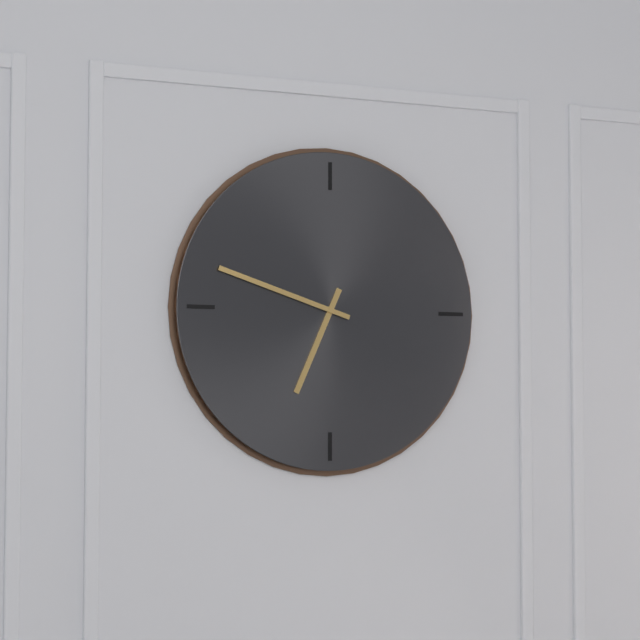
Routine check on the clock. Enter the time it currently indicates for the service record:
6:48
